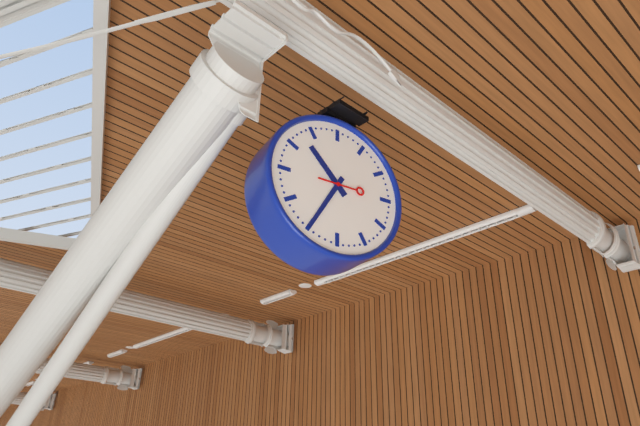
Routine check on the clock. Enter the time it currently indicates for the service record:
10:35
